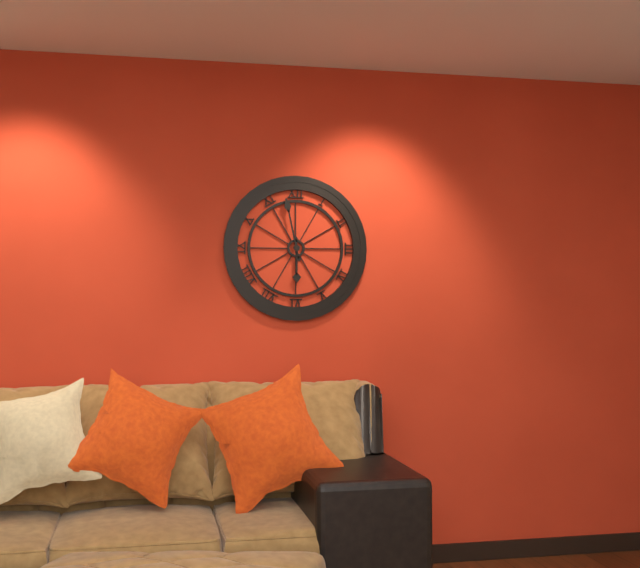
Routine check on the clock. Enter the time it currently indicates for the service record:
5:58
